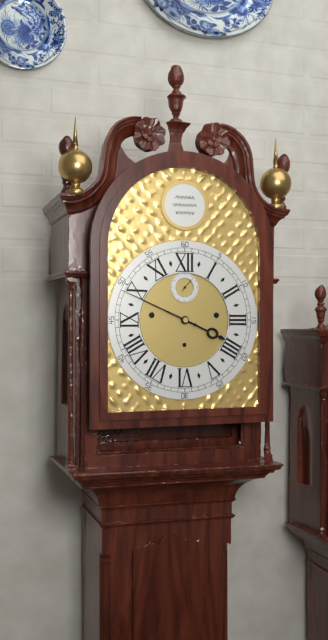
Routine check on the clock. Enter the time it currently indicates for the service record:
3:49
